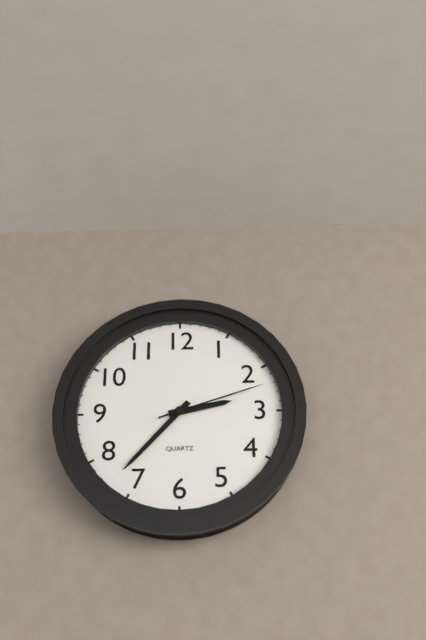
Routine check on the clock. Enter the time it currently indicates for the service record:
2:37:12
